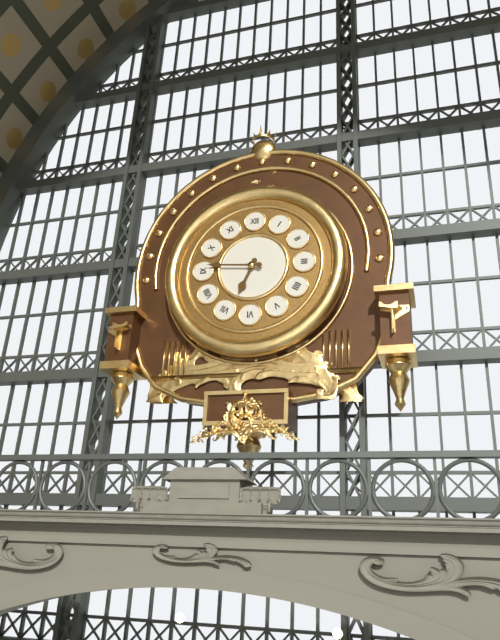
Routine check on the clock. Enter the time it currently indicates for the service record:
6:46
